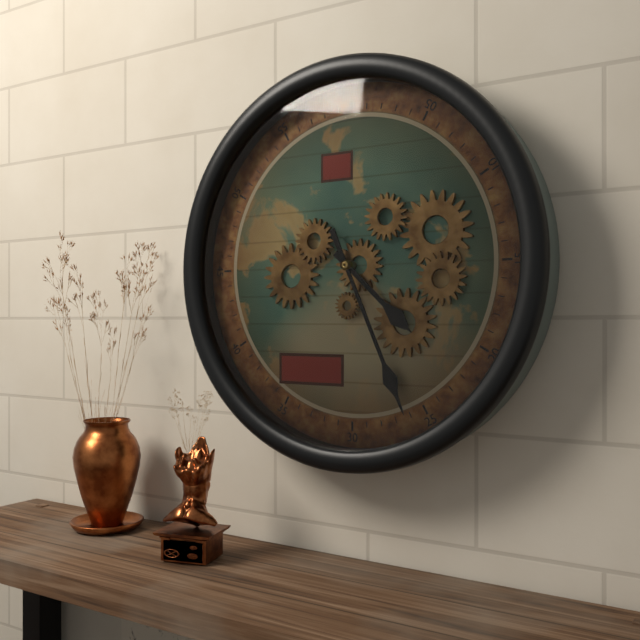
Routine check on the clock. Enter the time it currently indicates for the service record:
4:26
